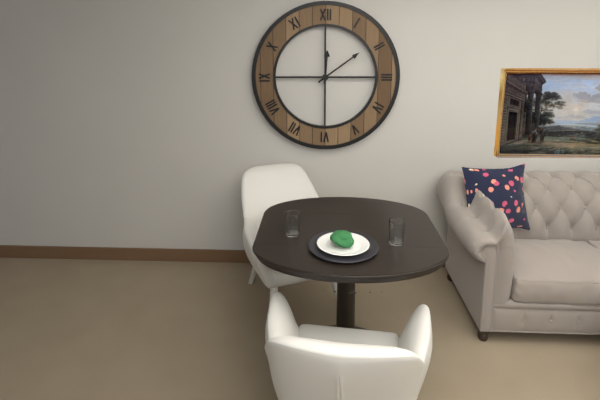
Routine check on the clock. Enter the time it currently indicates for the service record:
12:09
